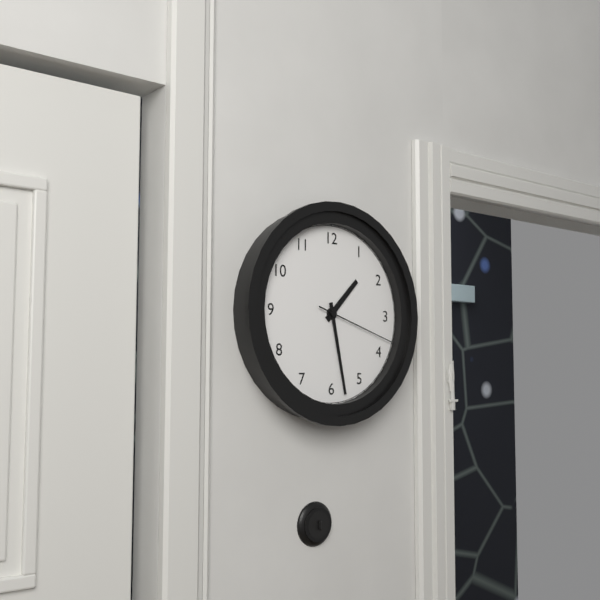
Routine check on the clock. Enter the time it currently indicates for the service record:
1:28:18
